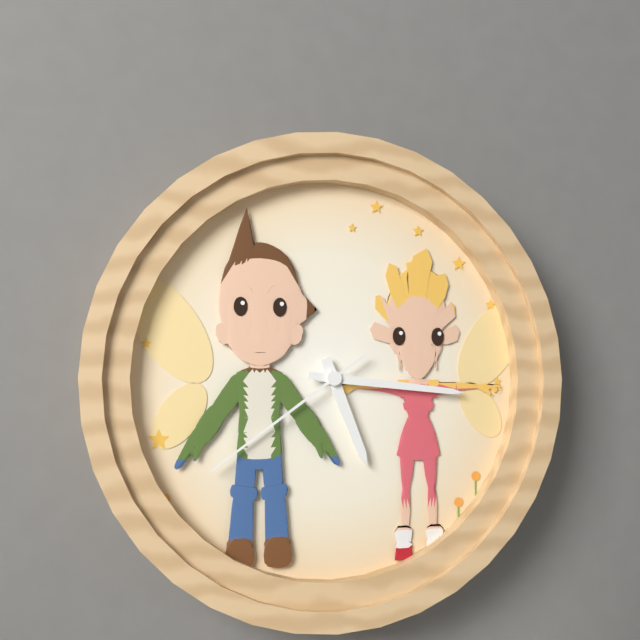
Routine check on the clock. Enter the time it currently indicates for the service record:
5:16:39
